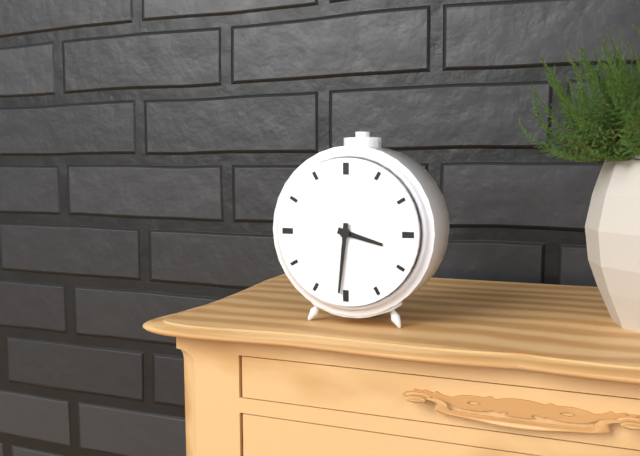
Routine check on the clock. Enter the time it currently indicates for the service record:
3:31
